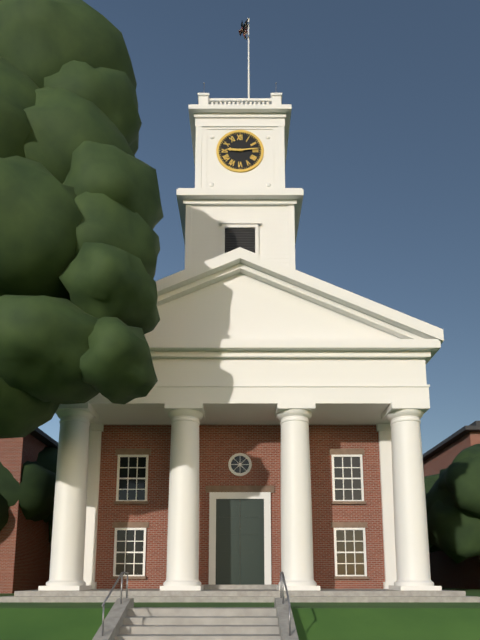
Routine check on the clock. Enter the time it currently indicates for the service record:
9:14
